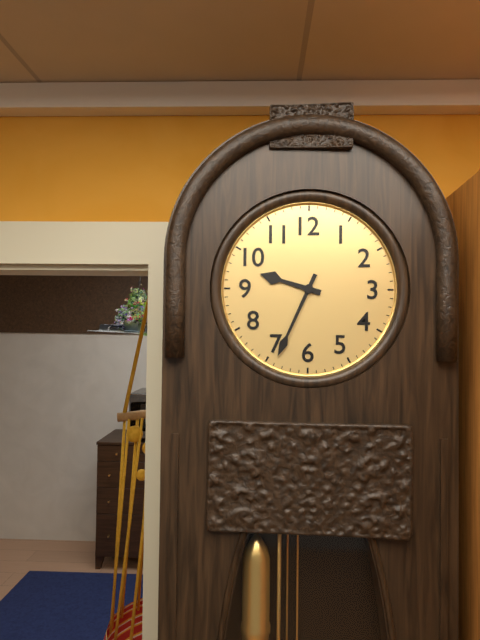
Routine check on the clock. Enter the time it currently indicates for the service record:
9:34
